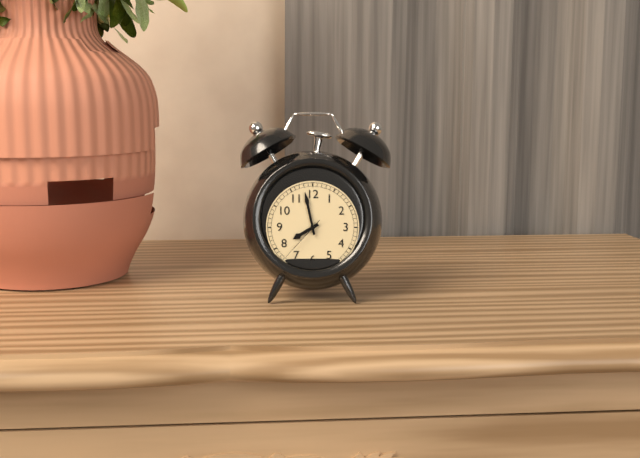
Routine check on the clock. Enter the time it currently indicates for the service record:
7:58:37
